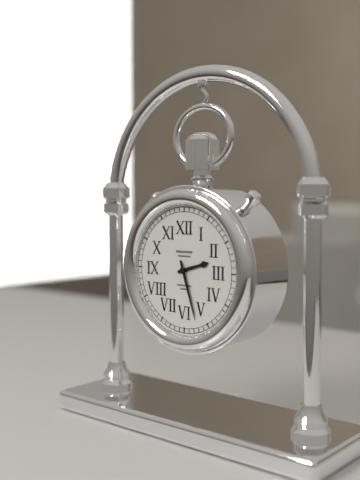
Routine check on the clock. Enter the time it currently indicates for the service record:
2:27
